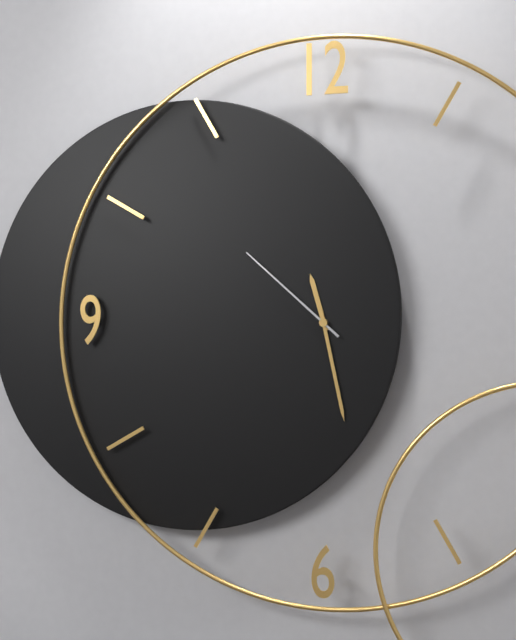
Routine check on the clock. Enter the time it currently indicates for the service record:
11:28:52
